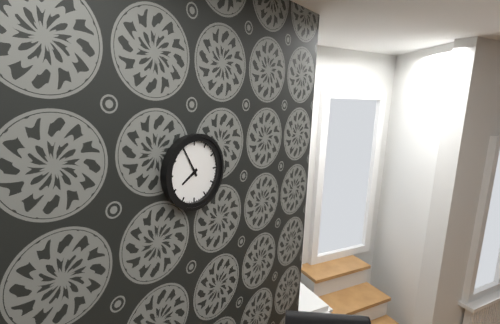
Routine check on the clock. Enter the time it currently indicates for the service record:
7:55
